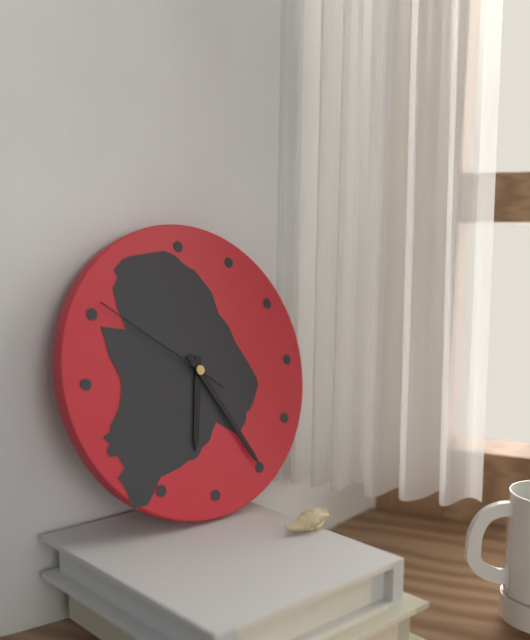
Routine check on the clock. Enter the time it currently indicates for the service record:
6:25:51
